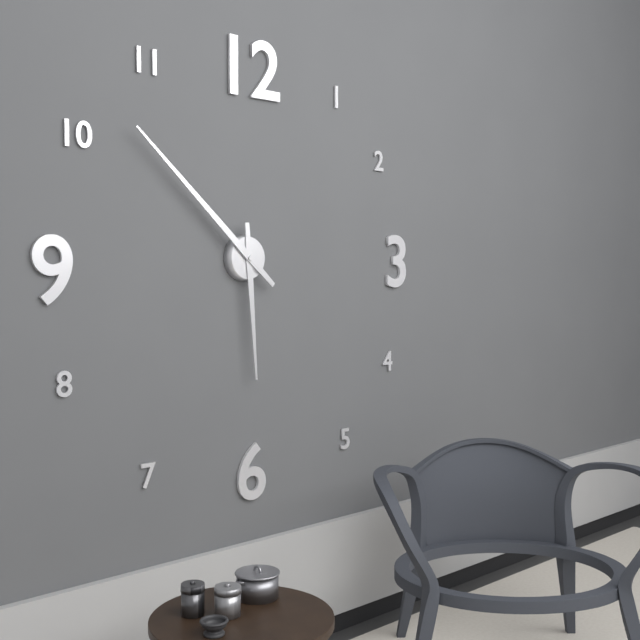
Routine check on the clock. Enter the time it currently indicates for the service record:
5:52
